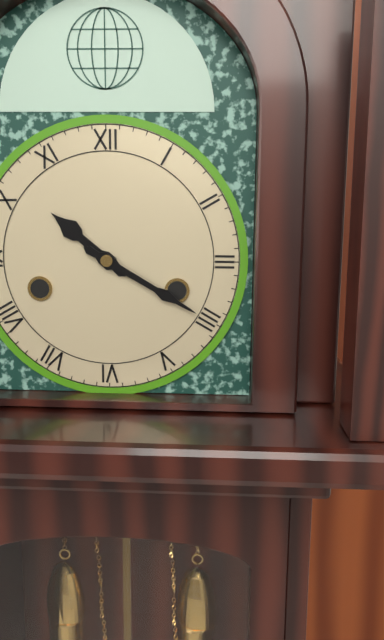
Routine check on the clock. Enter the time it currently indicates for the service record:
10:20
